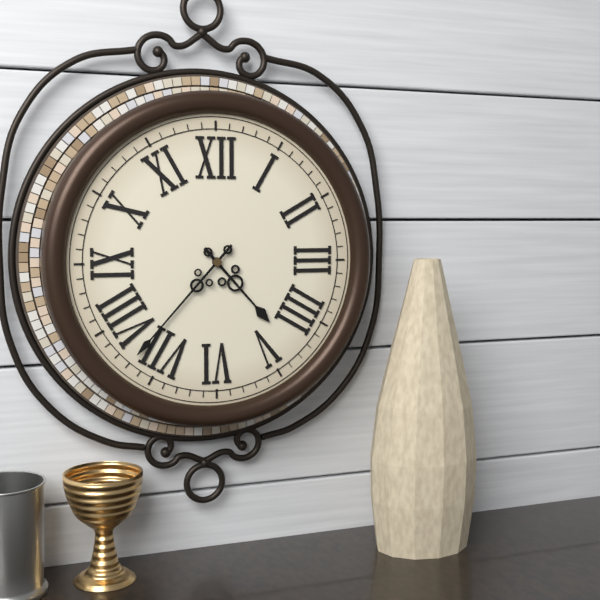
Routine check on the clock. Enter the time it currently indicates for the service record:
4:37
